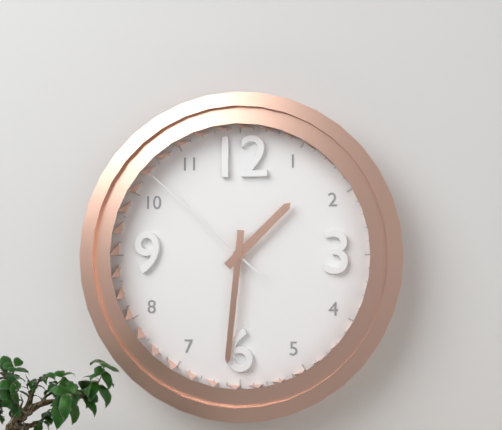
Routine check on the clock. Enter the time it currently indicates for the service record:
1:31:52
